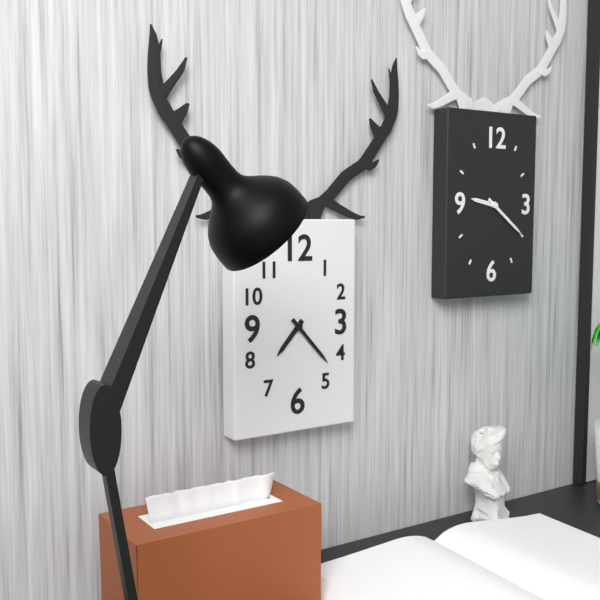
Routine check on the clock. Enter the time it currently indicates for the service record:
7:23
